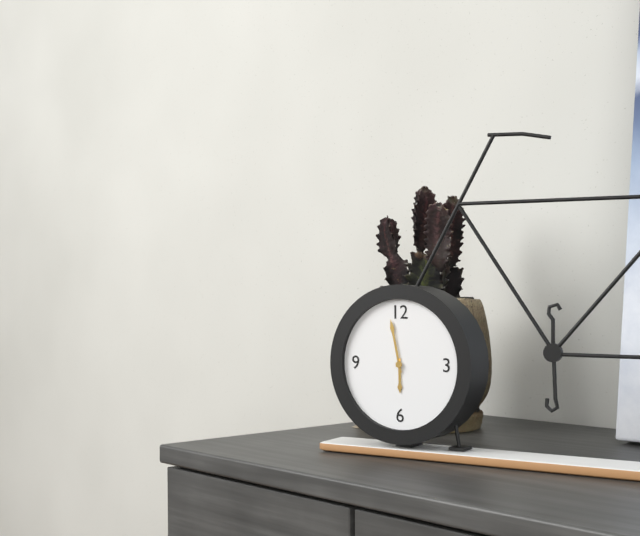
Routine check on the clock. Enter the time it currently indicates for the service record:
5:58
